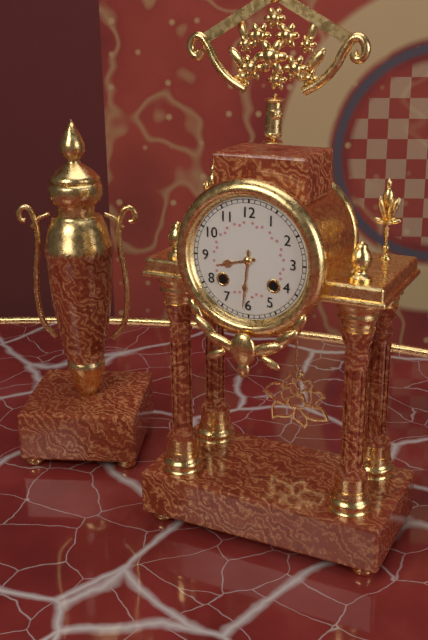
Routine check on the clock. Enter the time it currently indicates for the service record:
8:31
